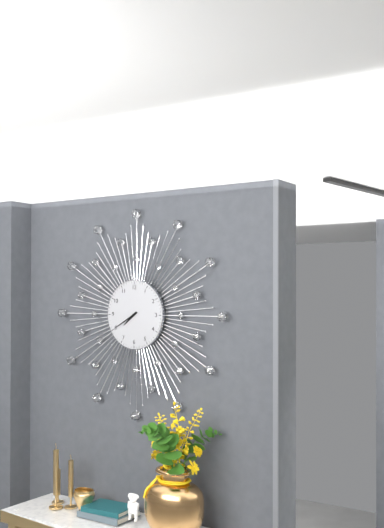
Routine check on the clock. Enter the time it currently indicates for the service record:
7:40
